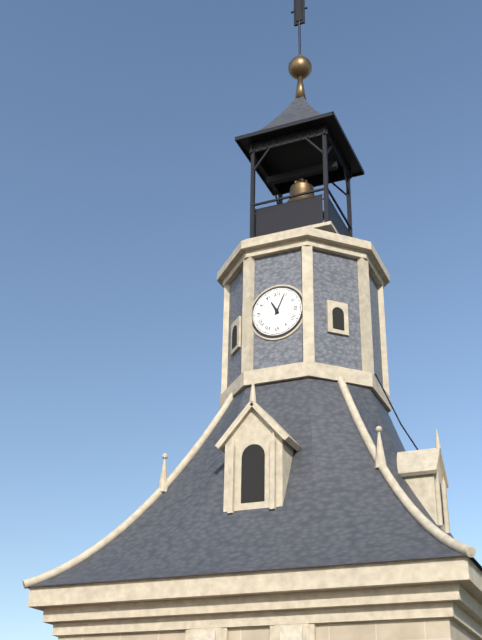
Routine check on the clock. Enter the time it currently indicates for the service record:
11:04
